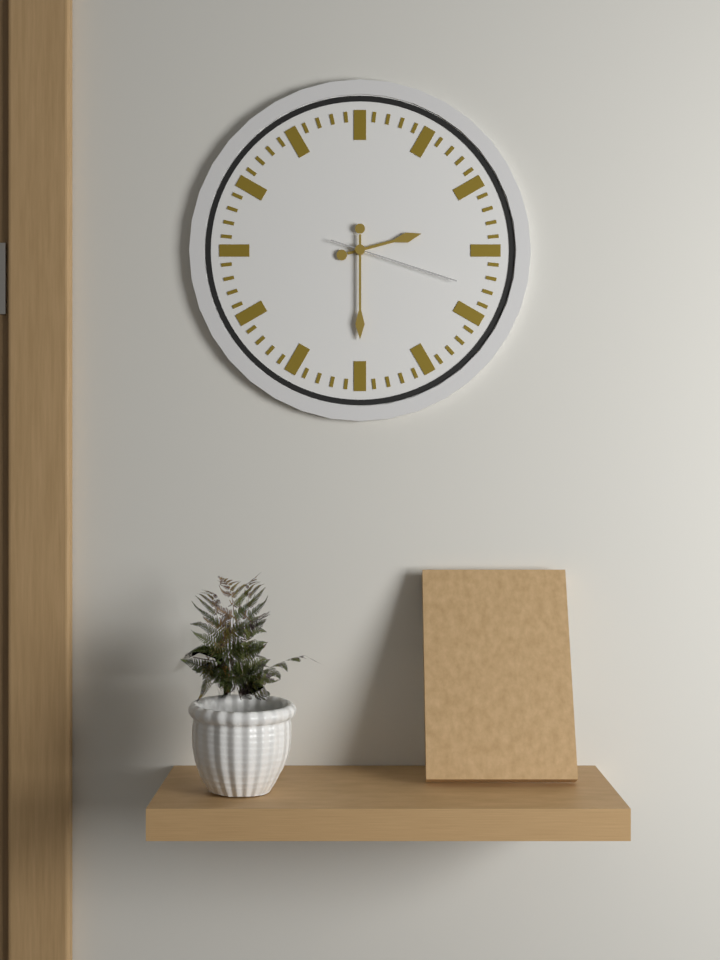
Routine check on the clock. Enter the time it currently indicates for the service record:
2:30:18
